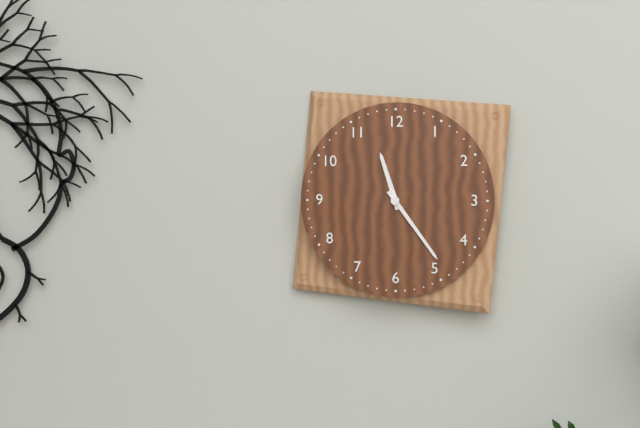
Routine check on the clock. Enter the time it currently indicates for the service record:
11:24
